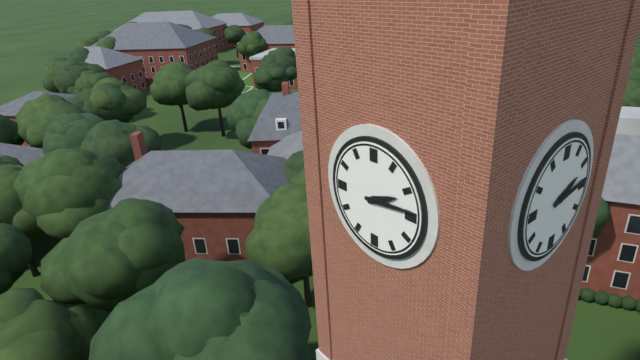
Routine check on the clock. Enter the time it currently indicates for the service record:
2:14
